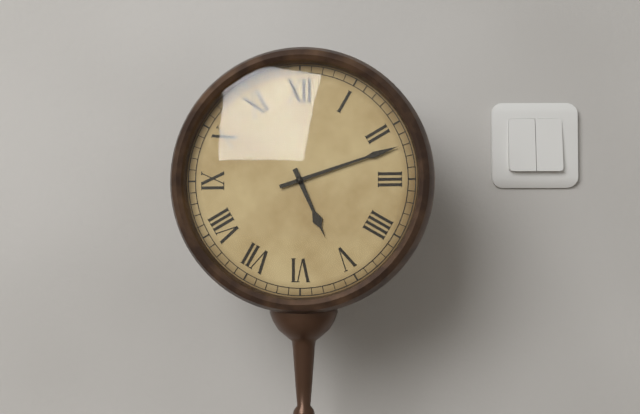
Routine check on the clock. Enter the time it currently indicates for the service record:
5:12
